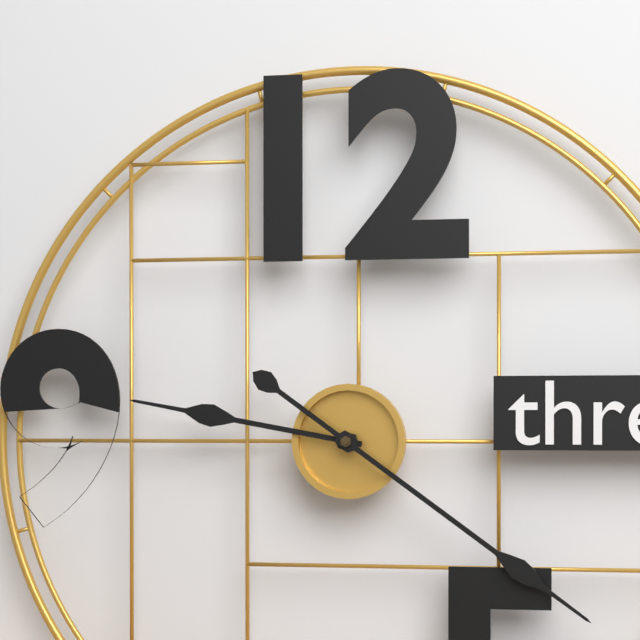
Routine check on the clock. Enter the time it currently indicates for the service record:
9:21
